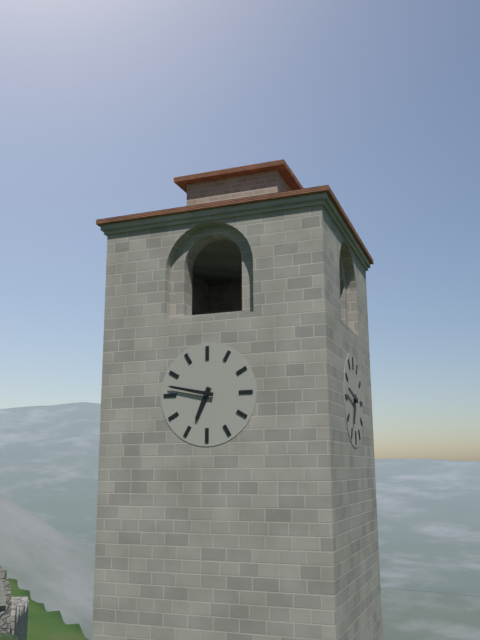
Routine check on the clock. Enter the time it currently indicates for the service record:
6:47
